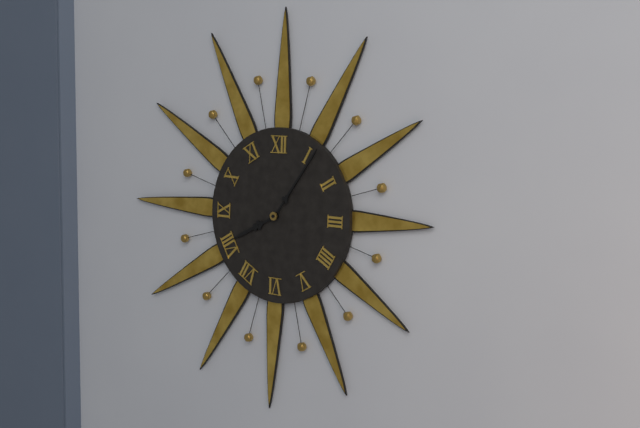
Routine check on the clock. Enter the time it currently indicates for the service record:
8:06
